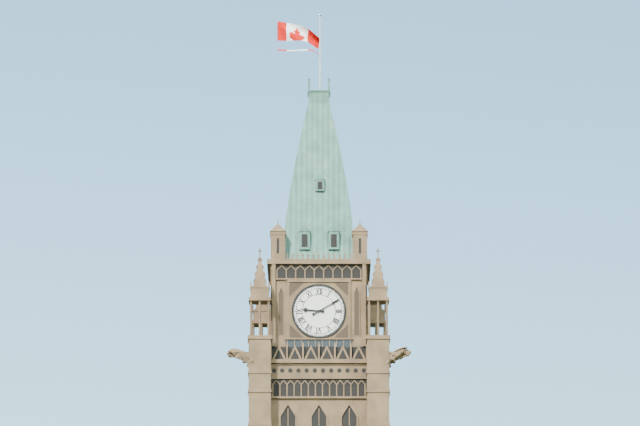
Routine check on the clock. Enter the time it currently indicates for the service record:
9:10
